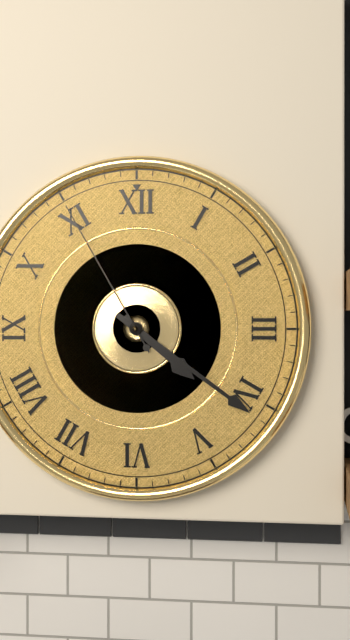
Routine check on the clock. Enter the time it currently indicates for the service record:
4:21:55
